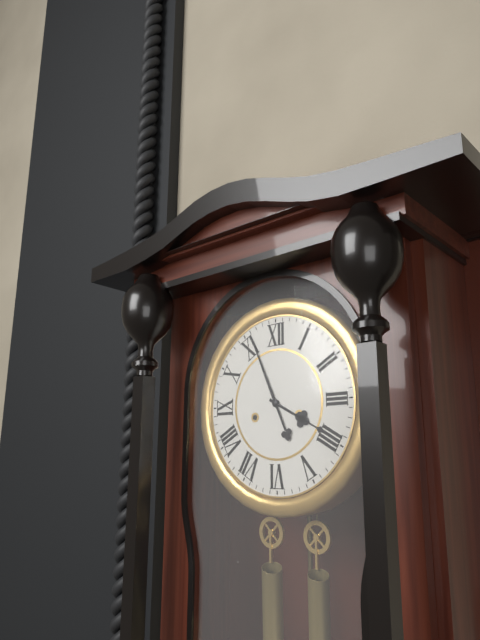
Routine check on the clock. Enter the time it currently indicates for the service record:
3:56
